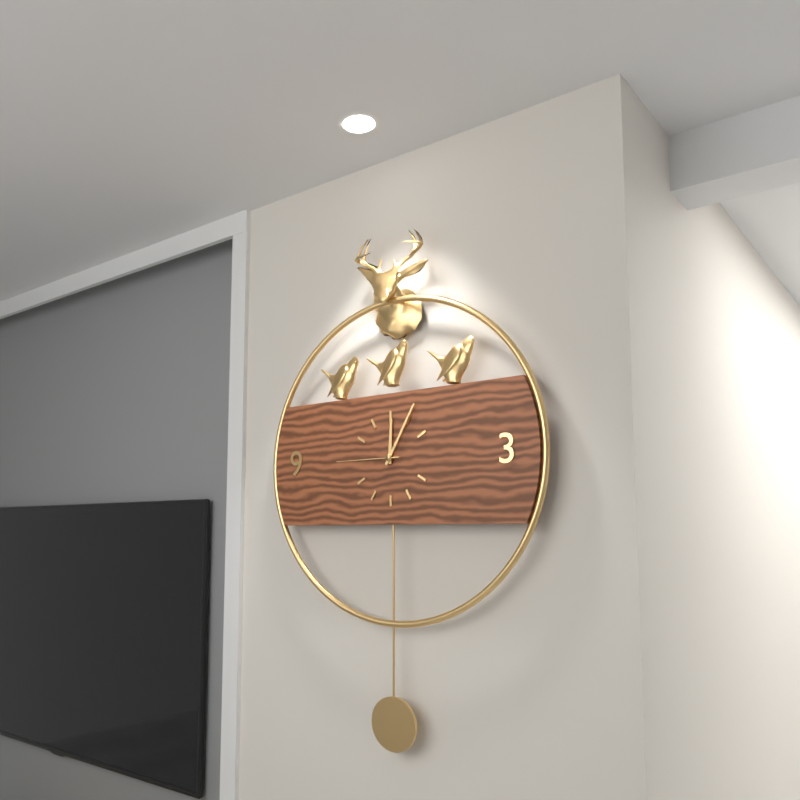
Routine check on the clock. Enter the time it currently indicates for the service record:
12:05:45
